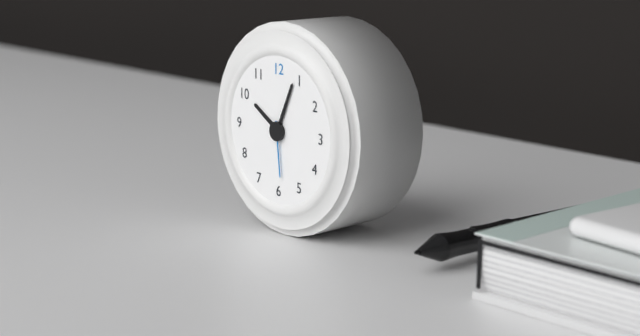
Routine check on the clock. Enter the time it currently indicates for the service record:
10:04:29
